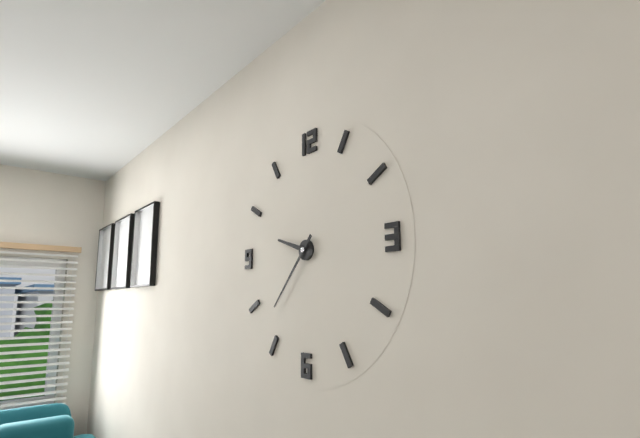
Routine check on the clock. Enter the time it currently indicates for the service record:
9:37
